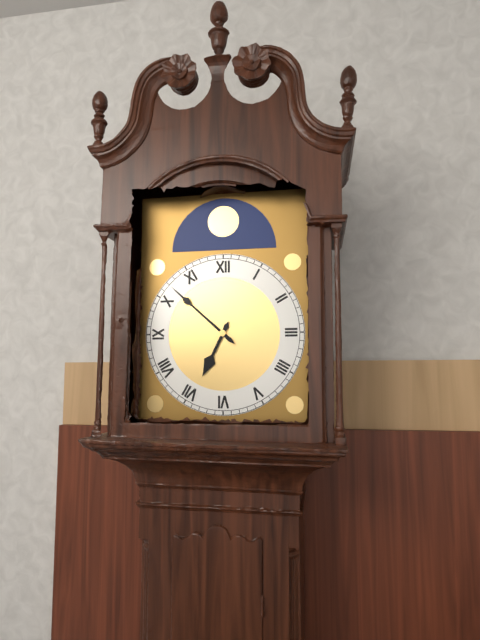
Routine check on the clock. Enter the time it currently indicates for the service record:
6:52
